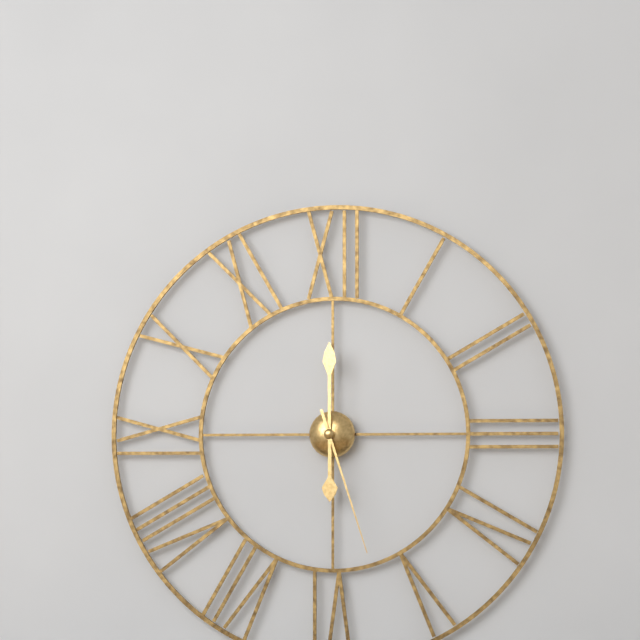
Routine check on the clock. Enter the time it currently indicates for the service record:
6:00:27
